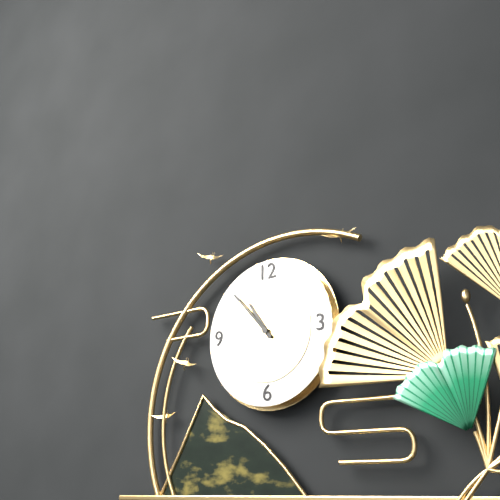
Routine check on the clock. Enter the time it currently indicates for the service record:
10:53
